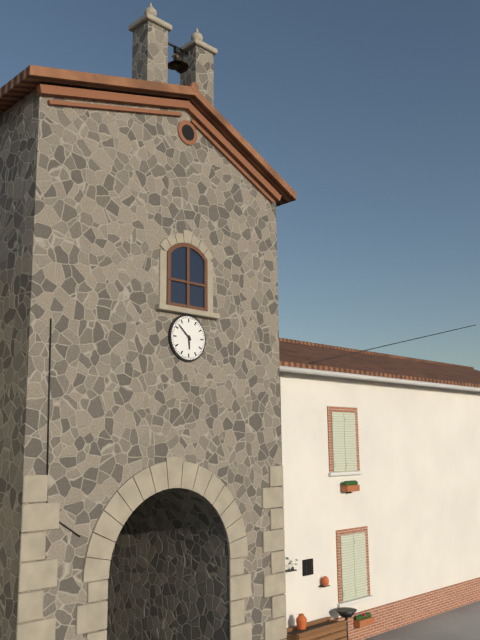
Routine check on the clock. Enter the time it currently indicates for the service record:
5:52
